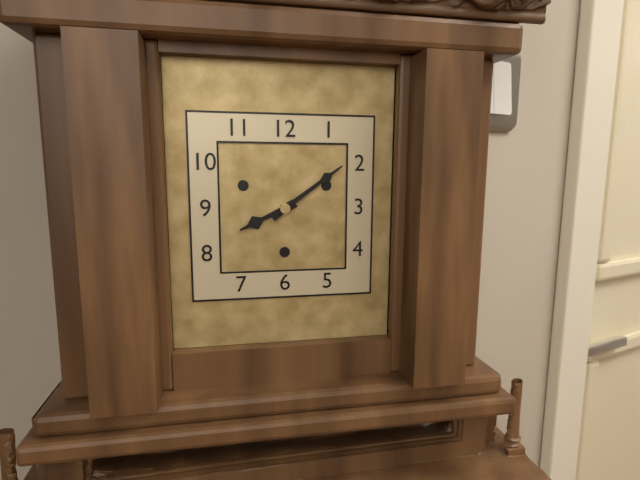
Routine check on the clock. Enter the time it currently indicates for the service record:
8:09
